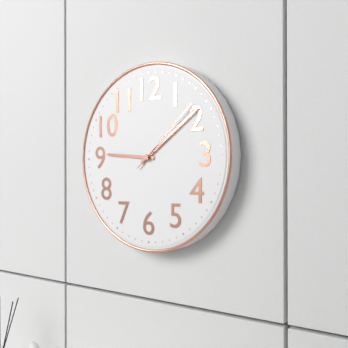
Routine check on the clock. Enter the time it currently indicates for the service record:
9:09:08
